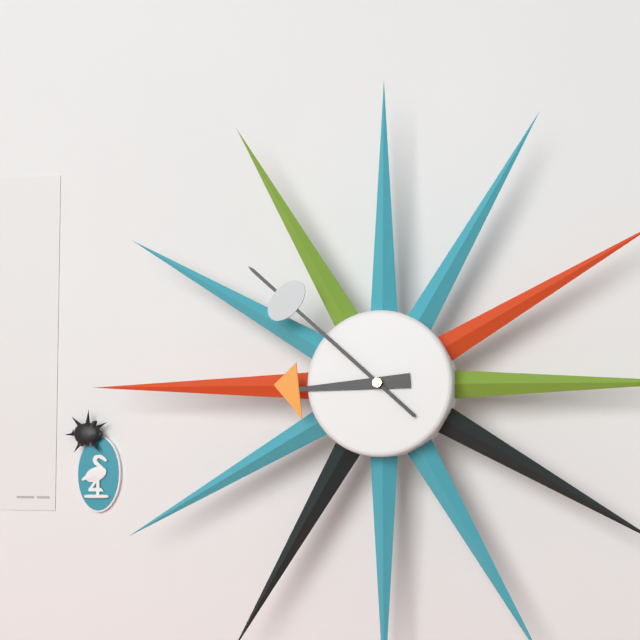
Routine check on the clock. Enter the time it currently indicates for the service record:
8:52
